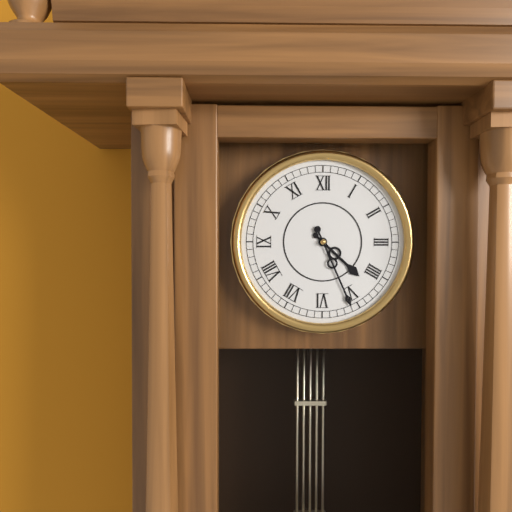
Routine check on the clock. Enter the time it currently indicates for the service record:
4:26
